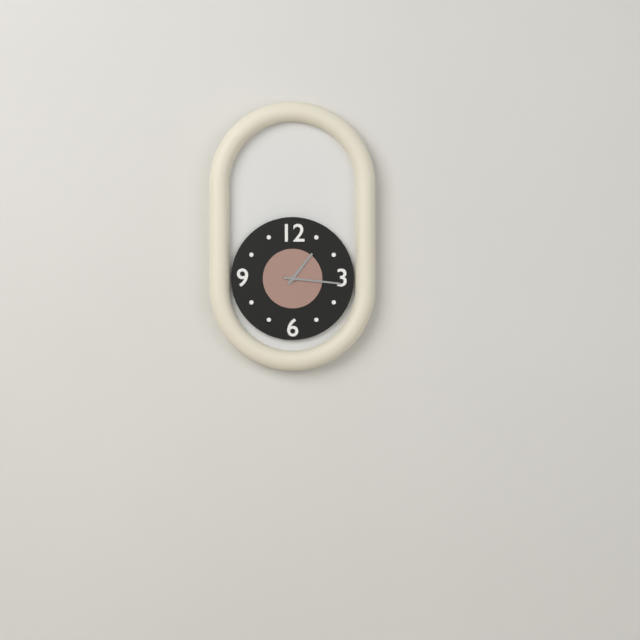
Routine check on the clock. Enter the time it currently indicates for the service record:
1:16
